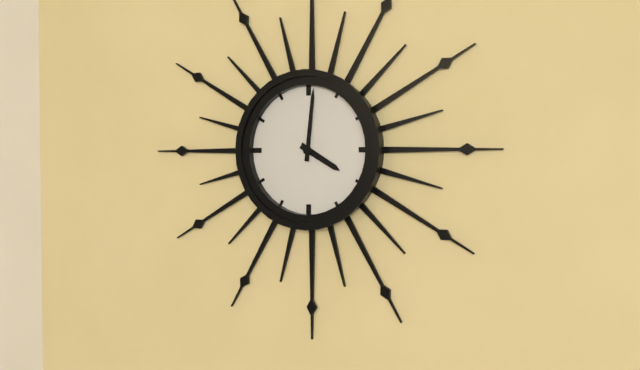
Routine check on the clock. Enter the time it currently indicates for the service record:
4:01
